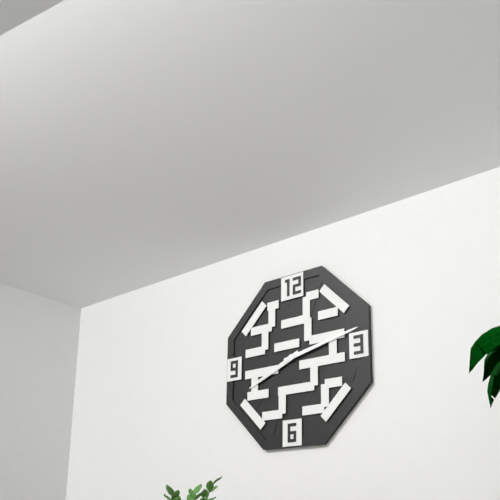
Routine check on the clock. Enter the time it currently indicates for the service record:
8:13
